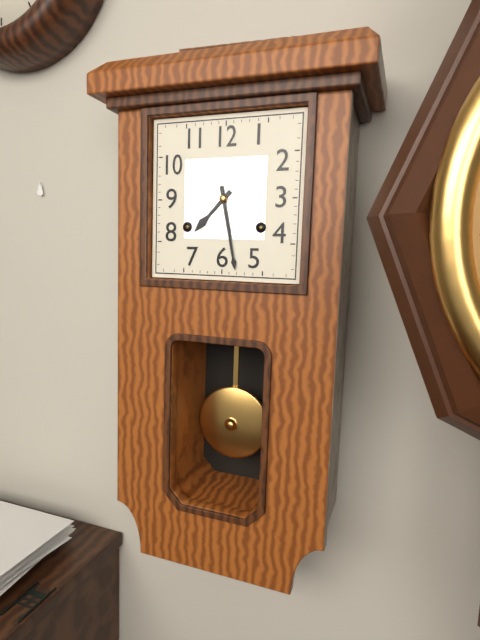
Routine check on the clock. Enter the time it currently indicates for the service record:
7:28
